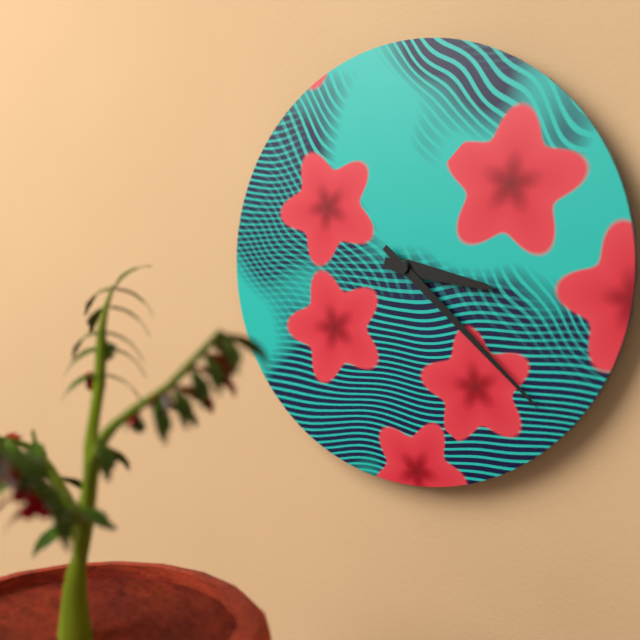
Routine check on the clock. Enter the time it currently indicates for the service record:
3:22
